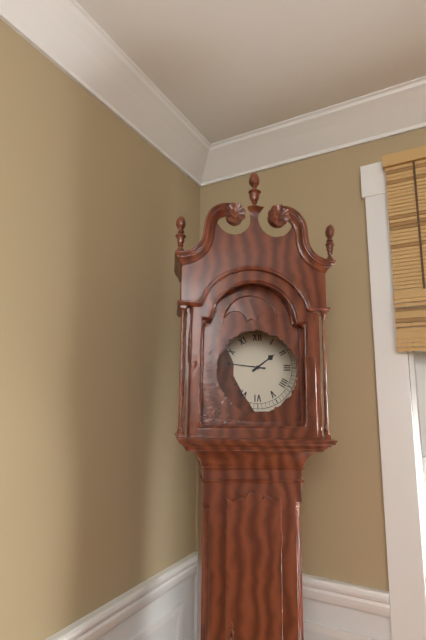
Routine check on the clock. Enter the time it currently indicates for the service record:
1:46
